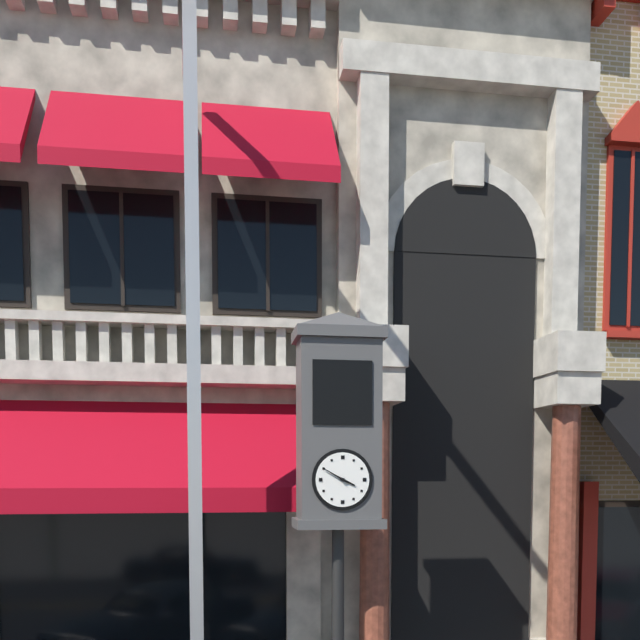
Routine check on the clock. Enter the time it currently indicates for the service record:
3:50
